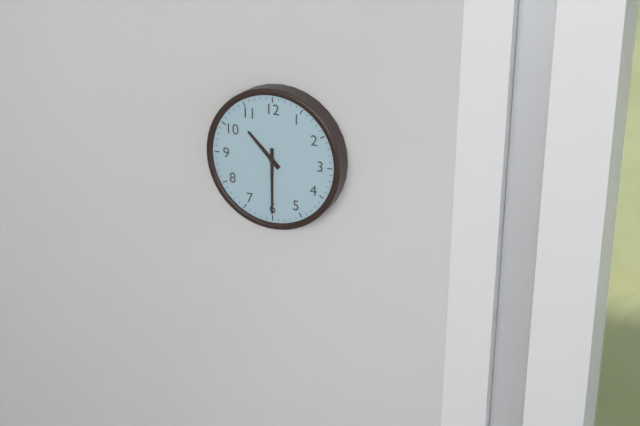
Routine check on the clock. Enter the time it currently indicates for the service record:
10:30
